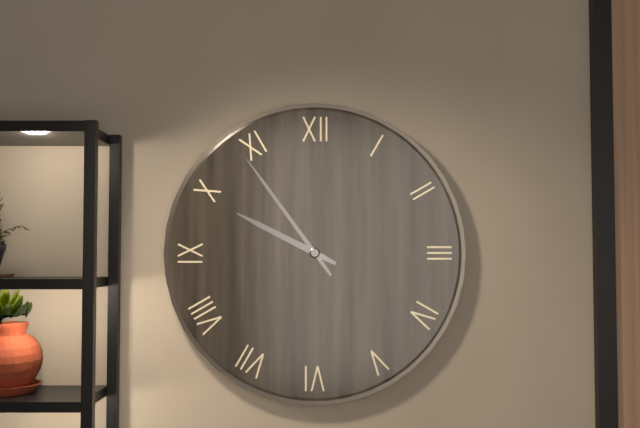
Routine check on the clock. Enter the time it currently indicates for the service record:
9:54
